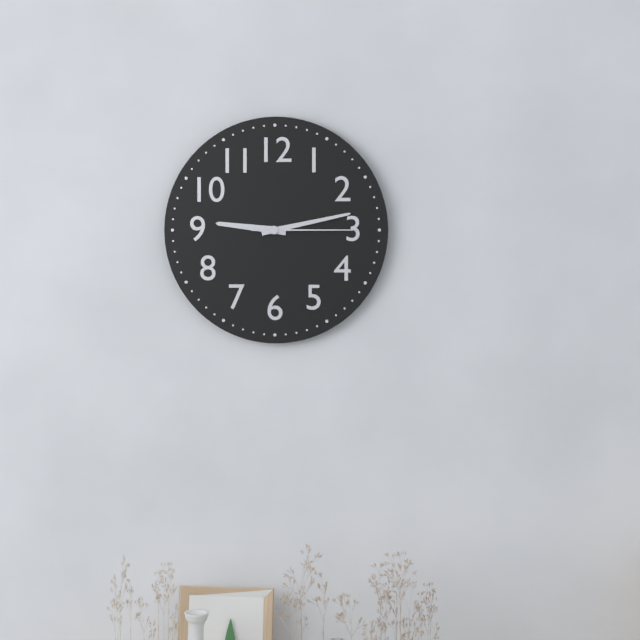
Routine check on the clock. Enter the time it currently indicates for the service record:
9:13:15
